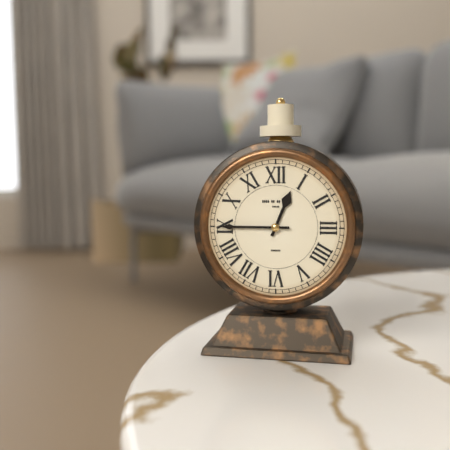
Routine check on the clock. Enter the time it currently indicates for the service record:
12:45
